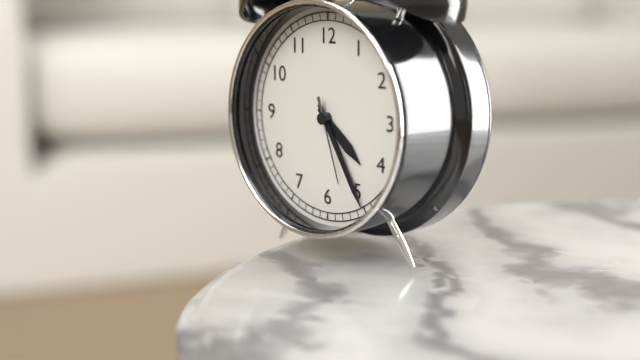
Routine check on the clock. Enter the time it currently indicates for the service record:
4:25:27
